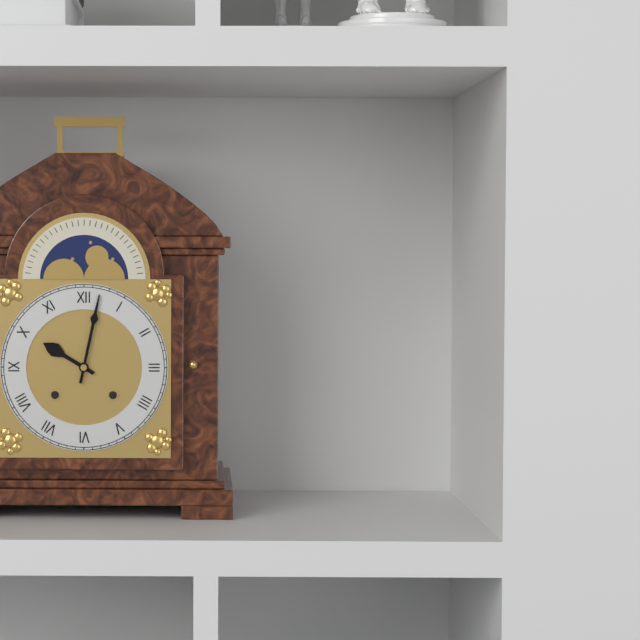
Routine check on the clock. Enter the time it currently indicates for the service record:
10:02
